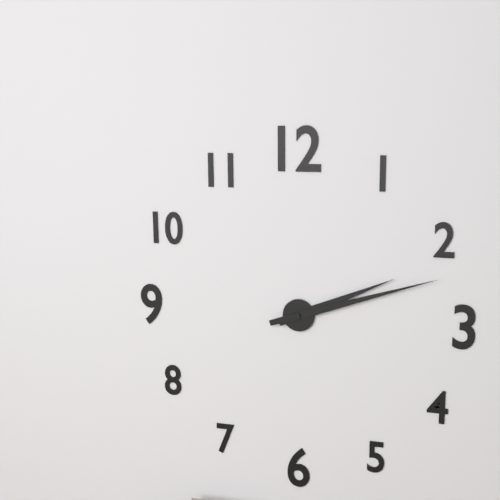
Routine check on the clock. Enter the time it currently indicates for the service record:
2:12
